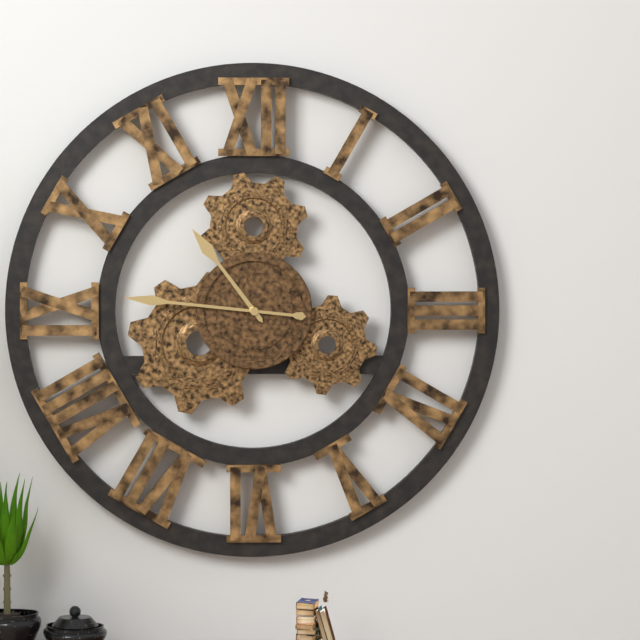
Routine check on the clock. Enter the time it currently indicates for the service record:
10:46
